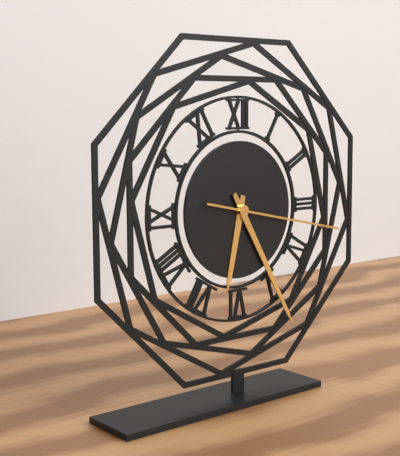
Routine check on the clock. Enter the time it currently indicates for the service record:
6:25:17
